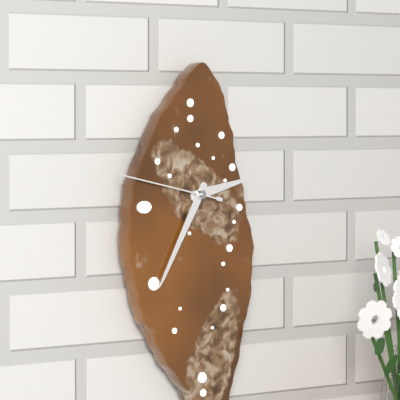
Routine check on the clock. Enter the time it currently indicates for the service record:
2:35:47
